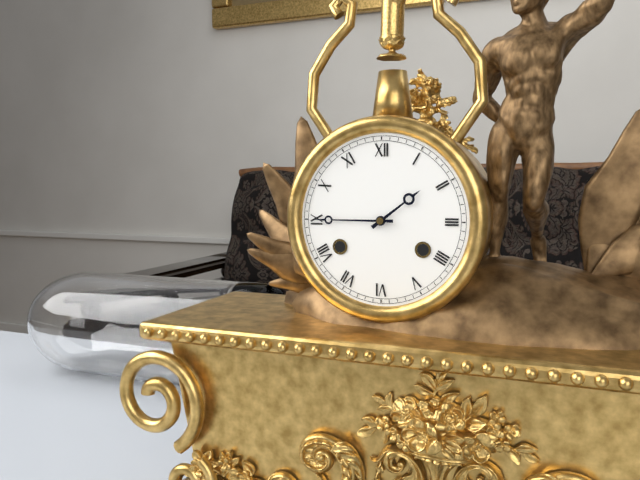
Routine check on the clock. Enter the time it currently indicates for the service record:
1:45
